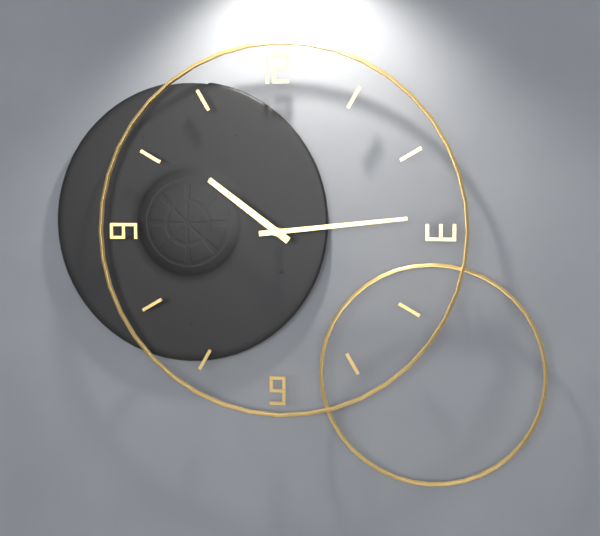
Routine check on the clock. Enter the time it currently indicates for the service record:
10:14
